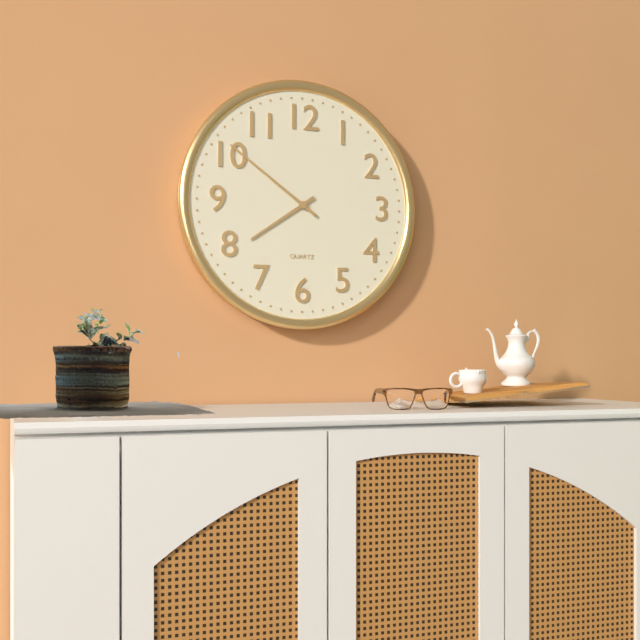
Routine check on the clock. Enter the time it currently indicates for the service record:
7:51
